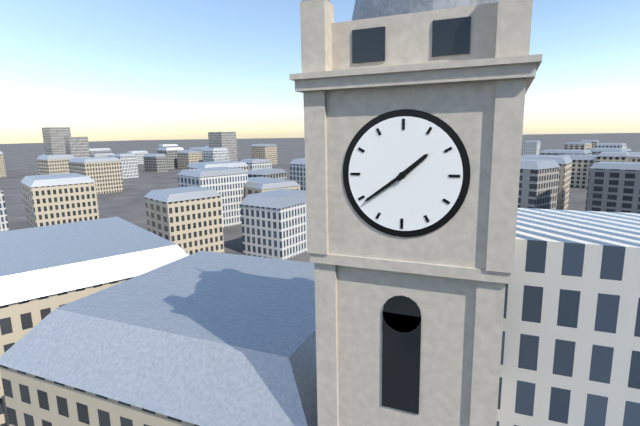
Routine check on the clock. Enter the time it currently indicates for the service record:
1:39
